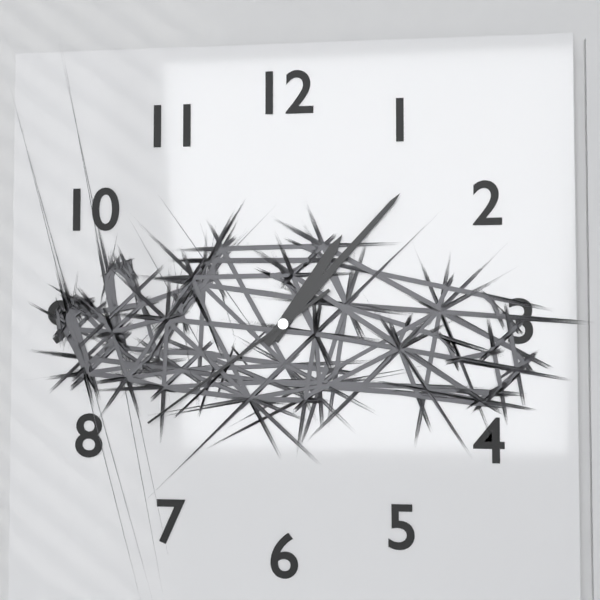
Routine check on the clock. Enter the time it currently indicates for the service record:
1:07:39
